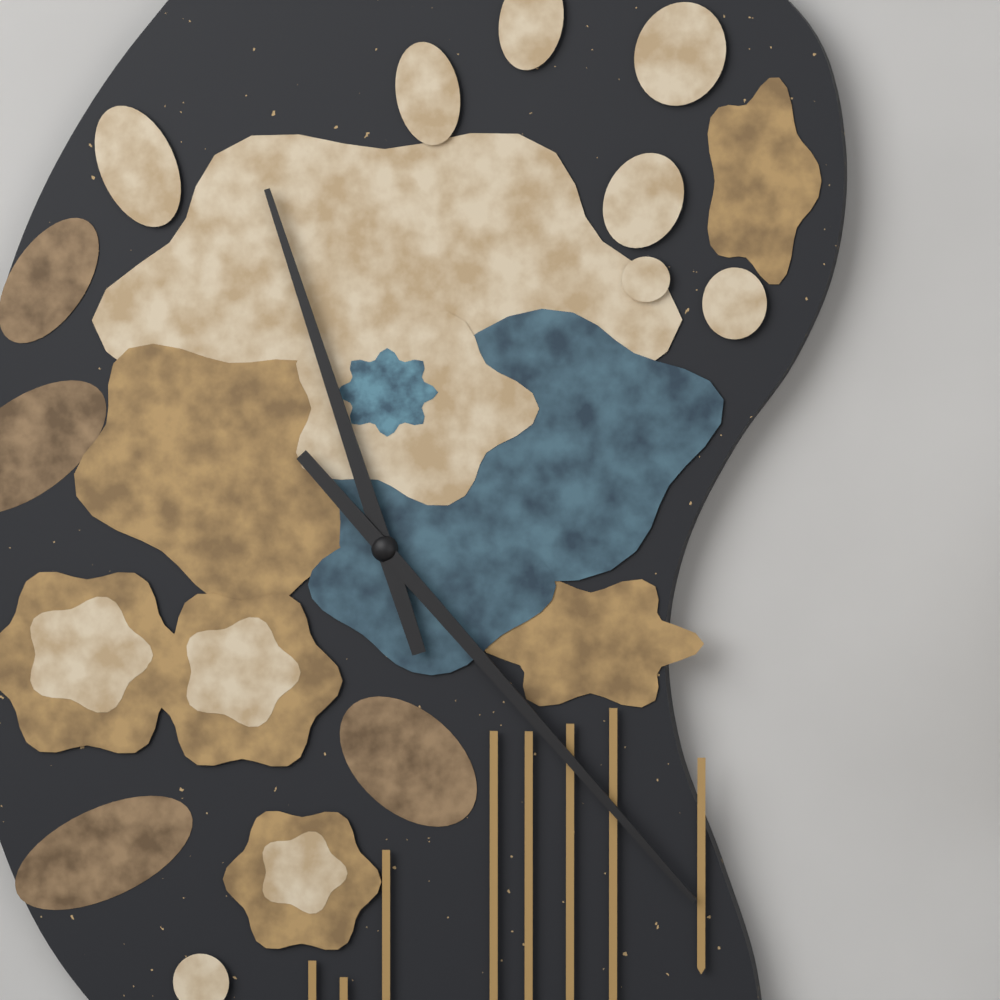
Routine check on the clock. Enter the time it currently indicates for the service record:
11:23
